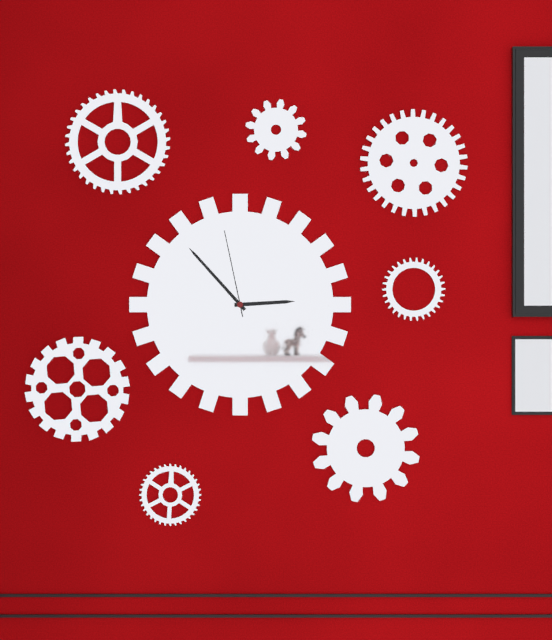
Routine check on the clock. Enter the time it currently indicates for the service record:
2:53:58
